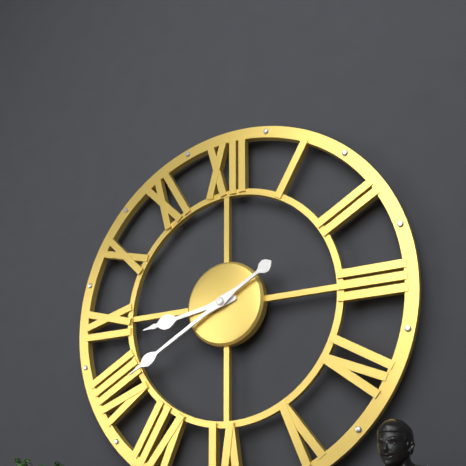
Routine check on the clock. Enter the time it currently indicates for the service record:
8:40
